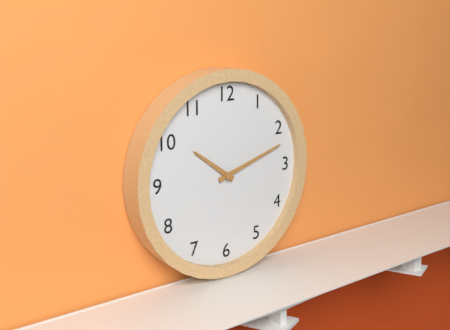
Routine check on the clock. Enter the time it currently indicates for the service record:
10:12
